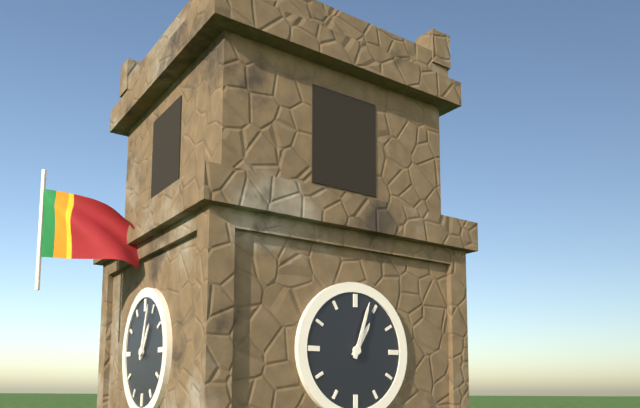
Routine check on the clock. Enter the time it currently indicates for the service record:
1:03
